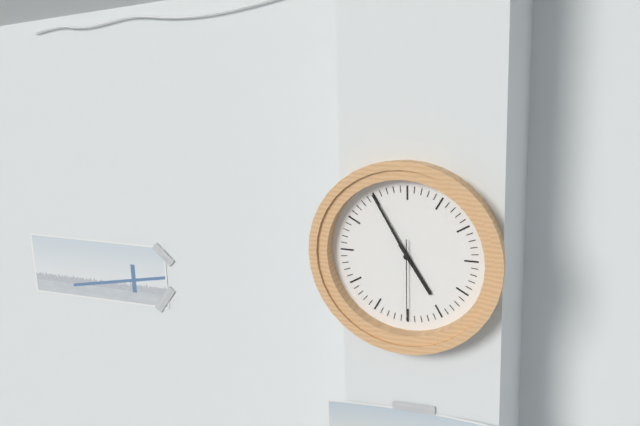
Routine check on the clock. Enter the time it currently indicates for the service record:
4:55:30
